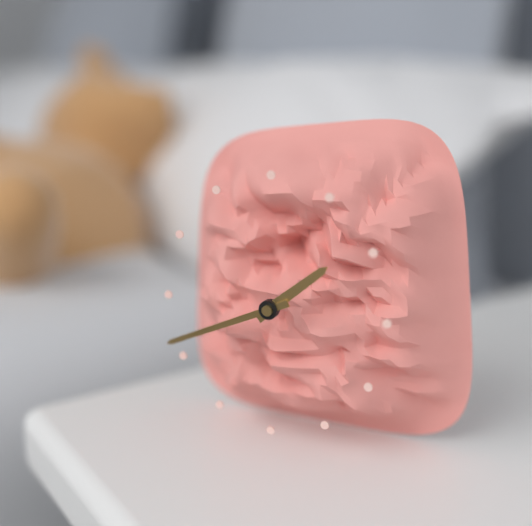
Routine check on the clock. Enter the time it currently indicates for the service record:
1:41
